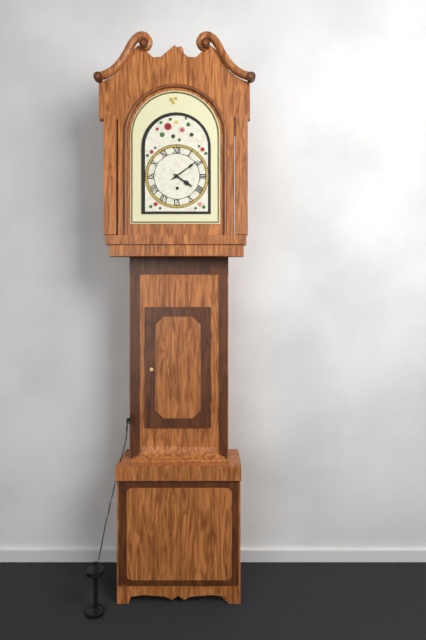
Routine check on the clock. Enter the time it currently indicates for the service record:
4:09
